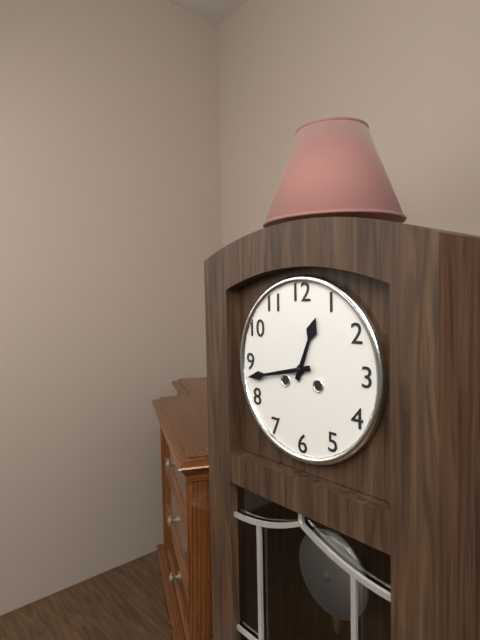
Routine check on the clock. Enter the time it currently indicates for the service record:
12:43
